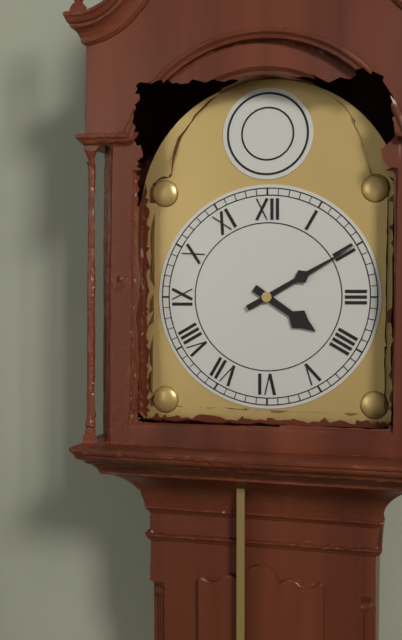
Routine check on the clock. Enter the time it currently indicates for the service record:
4:10
